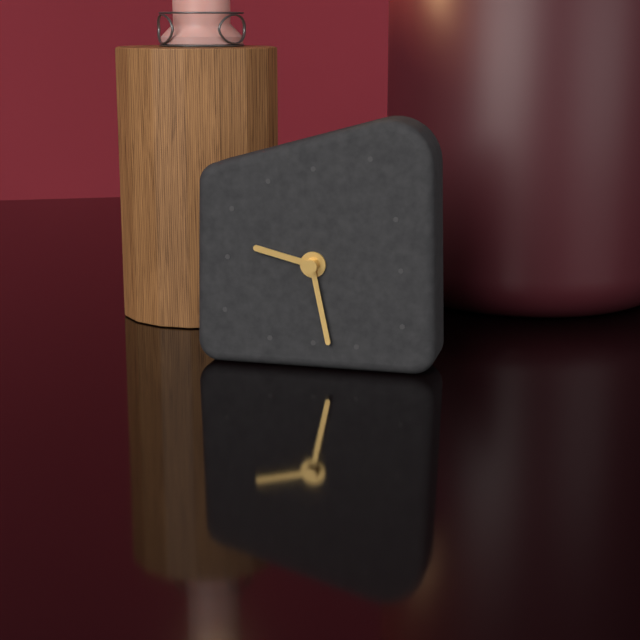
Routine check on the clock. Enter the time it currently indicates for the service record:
9:28
